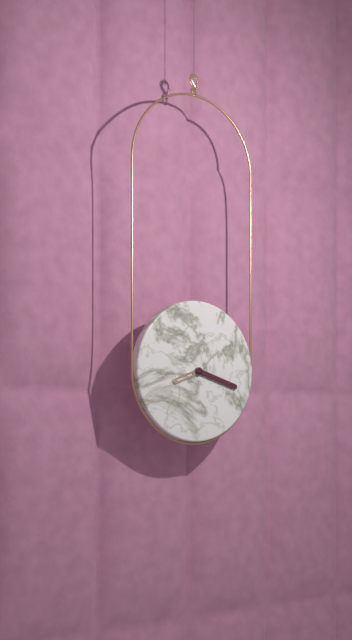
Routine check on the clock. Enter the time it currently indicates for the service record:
8:18
